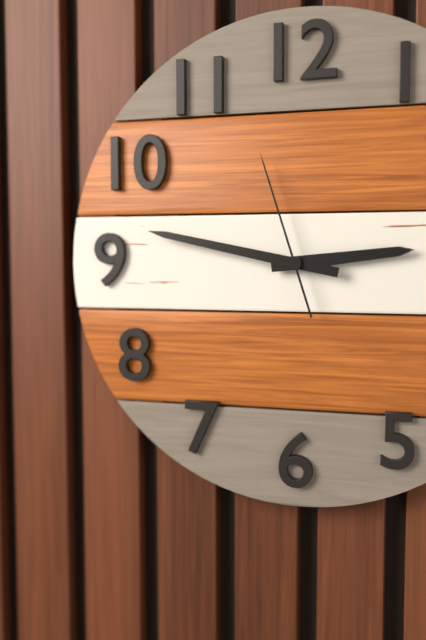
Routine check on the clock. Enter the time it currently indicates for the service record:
2:47:57
